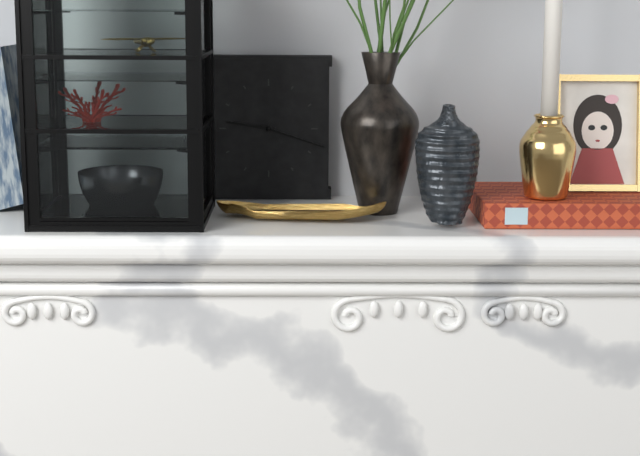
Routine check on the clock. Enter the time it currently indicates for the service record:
9:18
